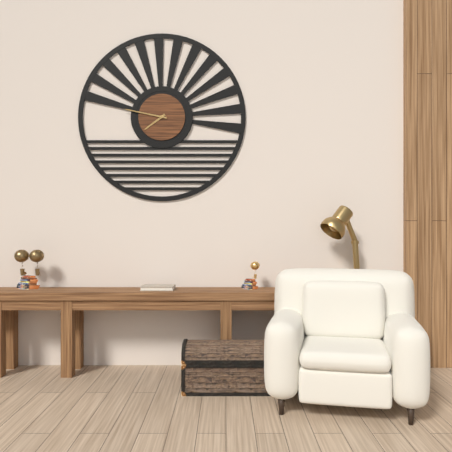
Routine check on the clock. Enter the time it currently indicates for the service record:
7:47
